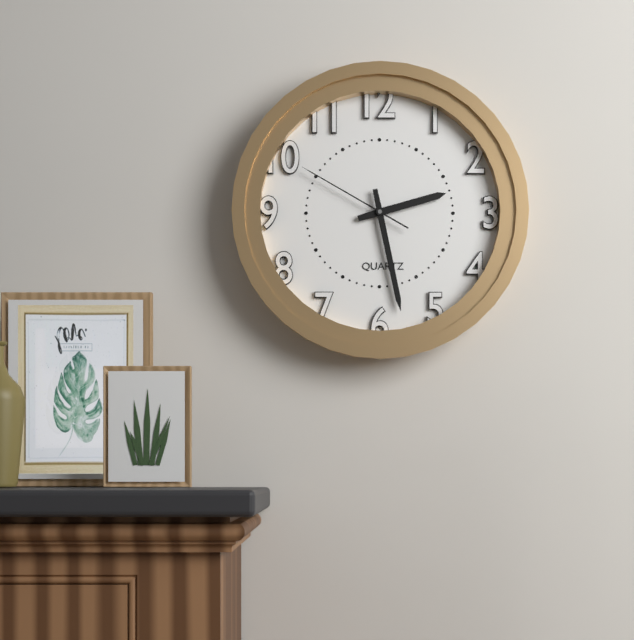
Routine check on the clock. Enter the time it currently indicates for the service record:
2:28:50
